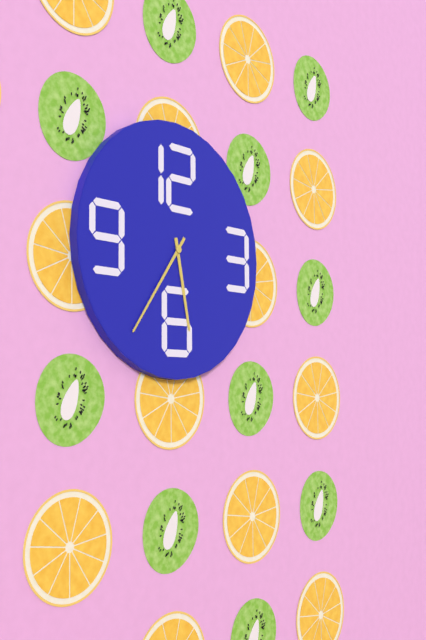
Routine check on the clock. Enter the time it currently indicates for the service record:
5:36
